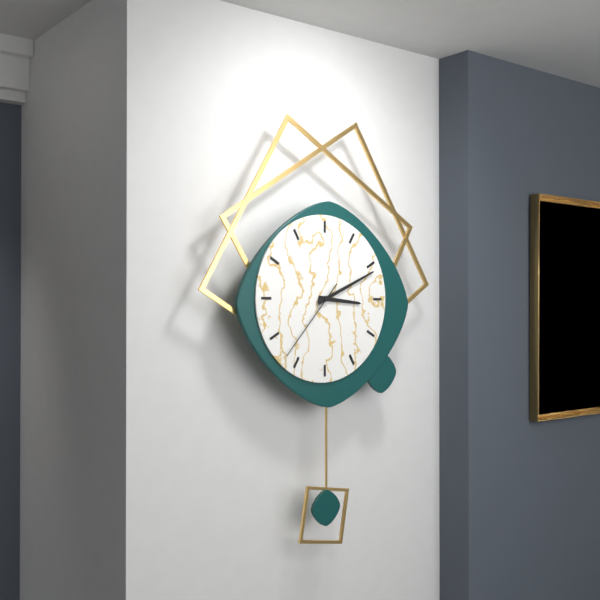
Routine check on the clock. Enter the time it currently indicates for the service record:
3:11:37
